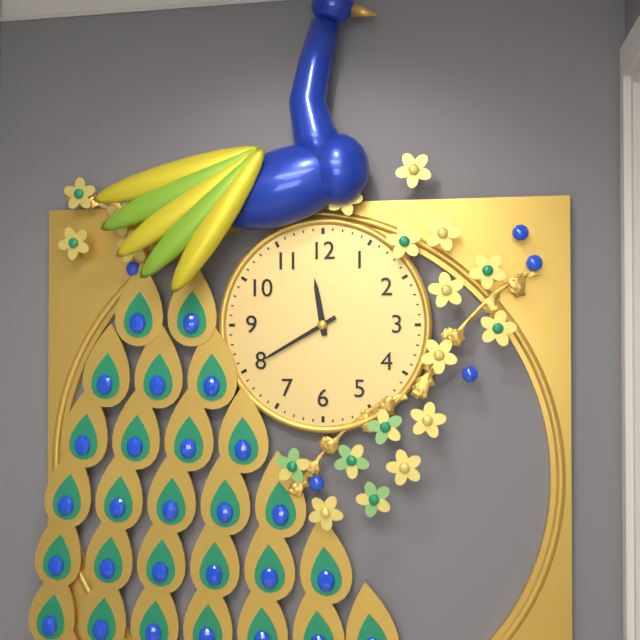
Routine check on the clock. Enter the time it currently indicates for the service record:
11:40
